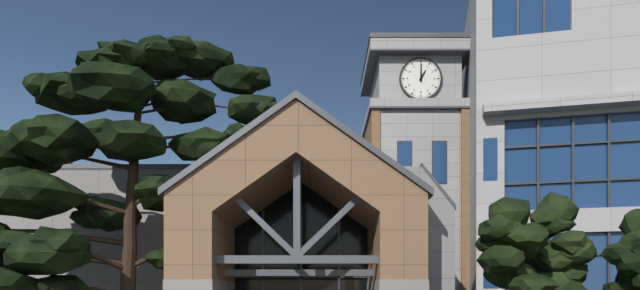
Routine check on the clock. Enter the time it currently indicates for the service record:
1:00
